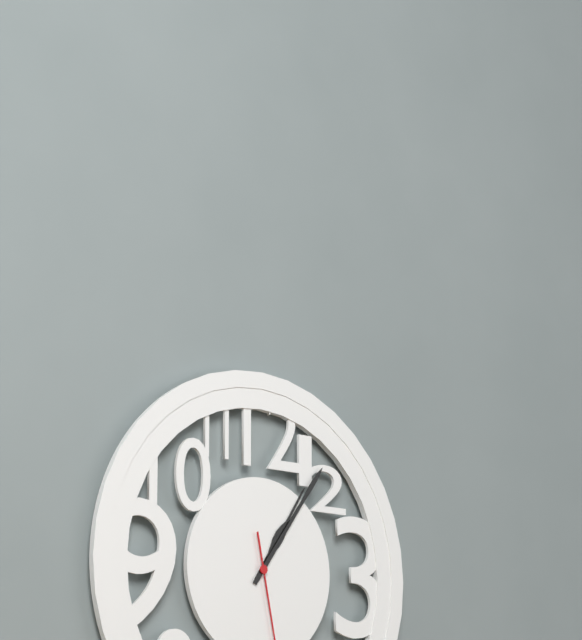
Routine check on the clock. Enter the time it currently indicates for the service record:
1:06
